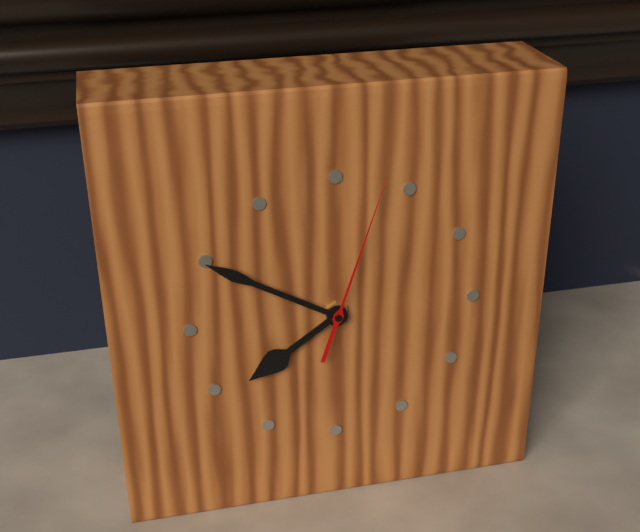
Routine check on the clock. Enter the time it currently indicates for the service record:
7:50:03
